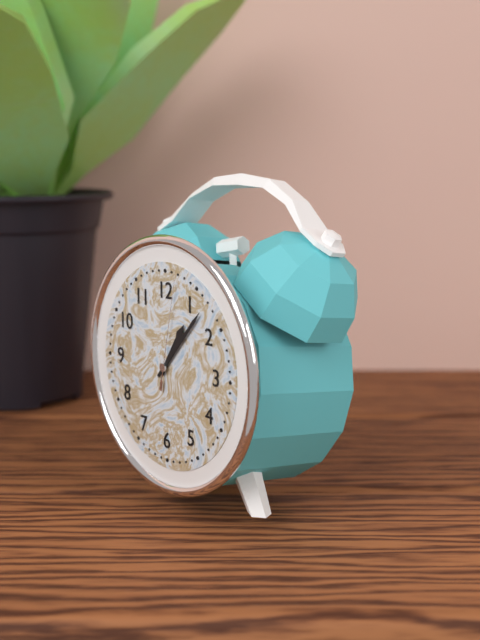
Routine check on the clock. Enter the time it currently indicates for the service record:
1:07:02
